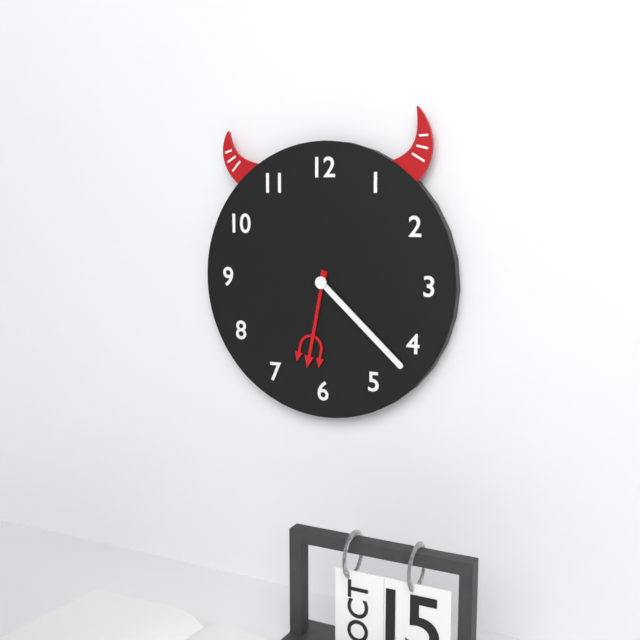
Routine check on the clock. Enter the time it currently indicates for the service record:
6:22
